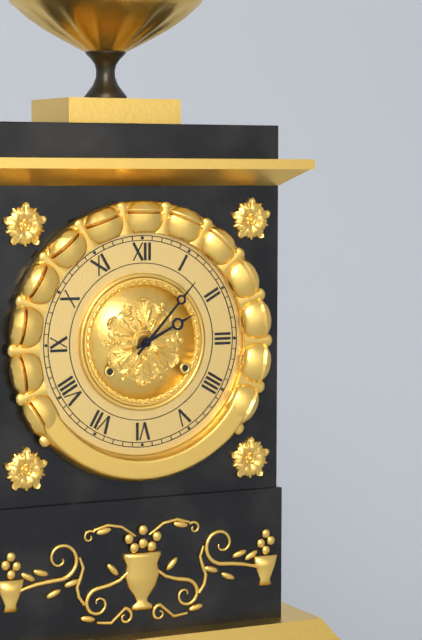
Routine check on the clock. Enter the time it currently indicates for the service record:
2:07
